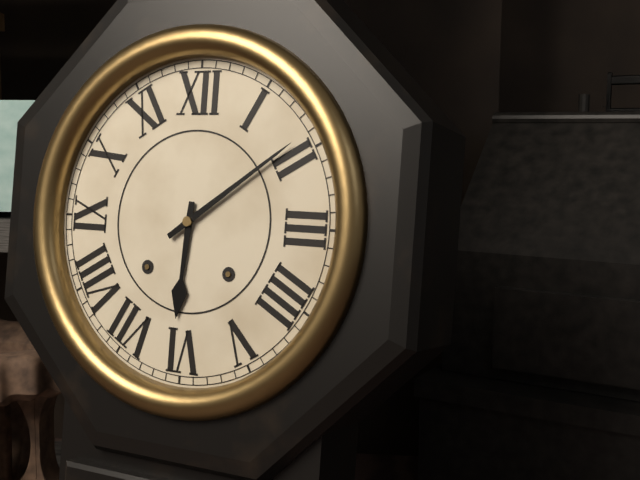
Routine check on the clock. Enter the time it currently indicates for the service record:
6:09
